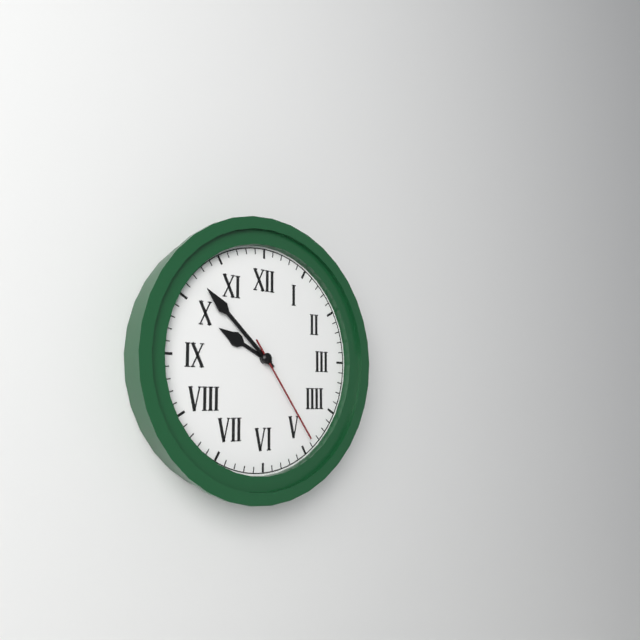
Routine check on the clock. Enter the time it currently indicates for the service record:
9:52:24
